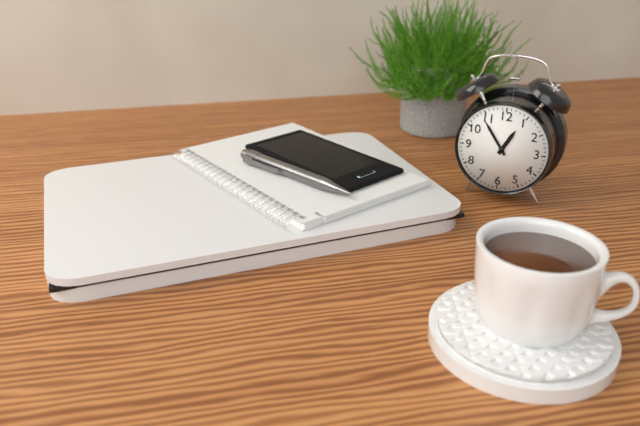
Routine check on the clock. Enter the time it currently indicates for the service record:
12:54
